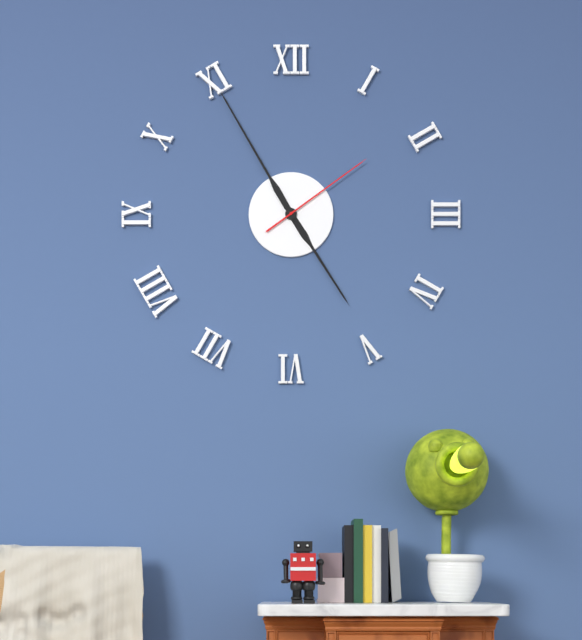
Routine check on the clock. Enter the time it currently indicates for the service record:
4:55:09
